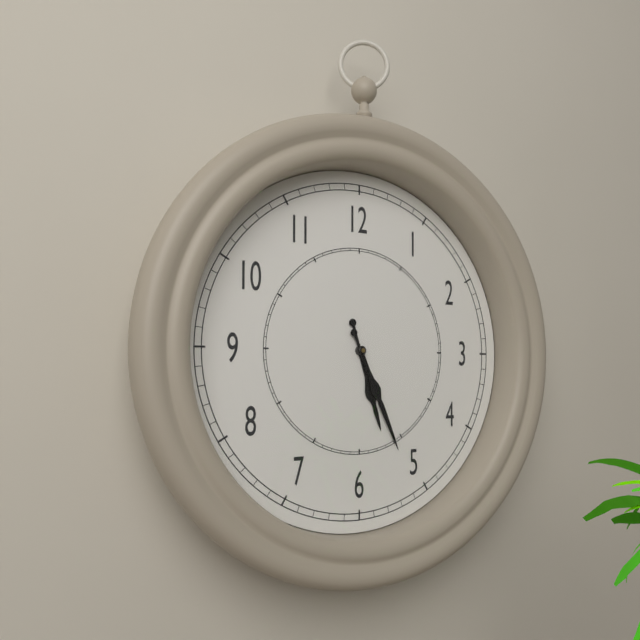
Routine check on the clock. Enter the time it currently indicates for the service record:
5:26
